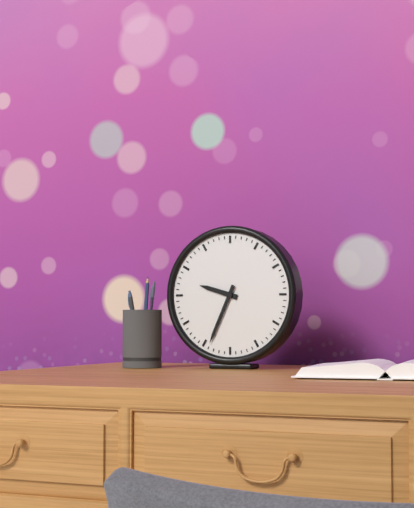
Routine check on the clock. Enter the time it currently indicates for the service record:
9:34
